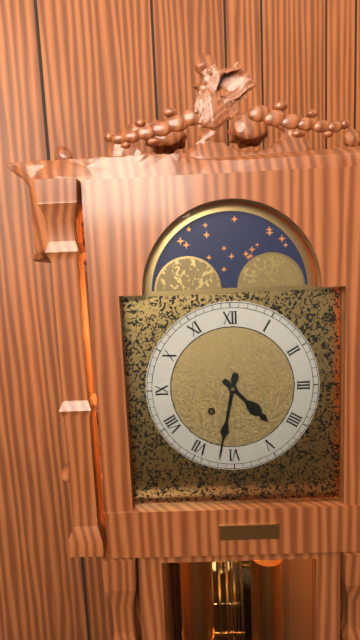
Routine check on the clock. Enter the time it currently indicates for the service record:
4:32
